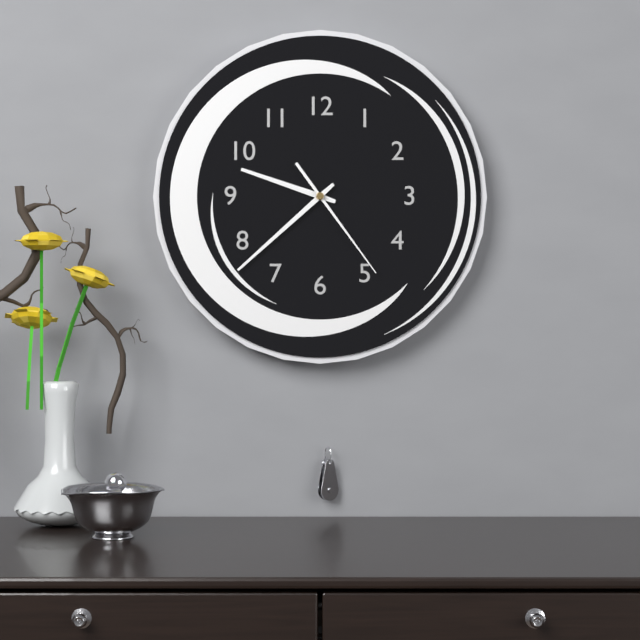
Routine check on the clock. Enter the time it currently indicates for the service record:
9:38:24
